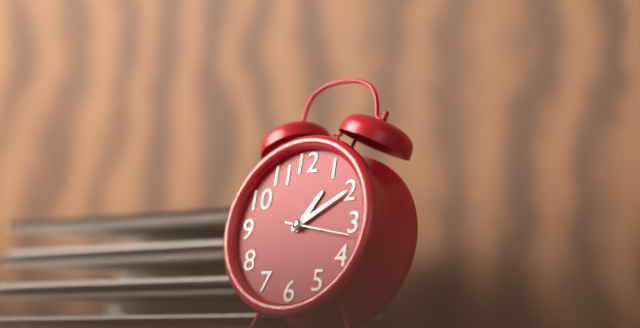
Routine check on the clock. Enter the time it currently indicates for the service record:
1:10:17
